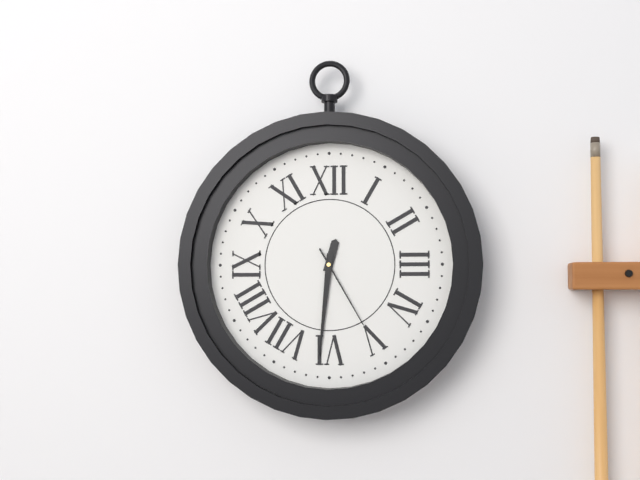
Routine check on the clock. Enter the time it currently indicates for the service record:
12:31:25
